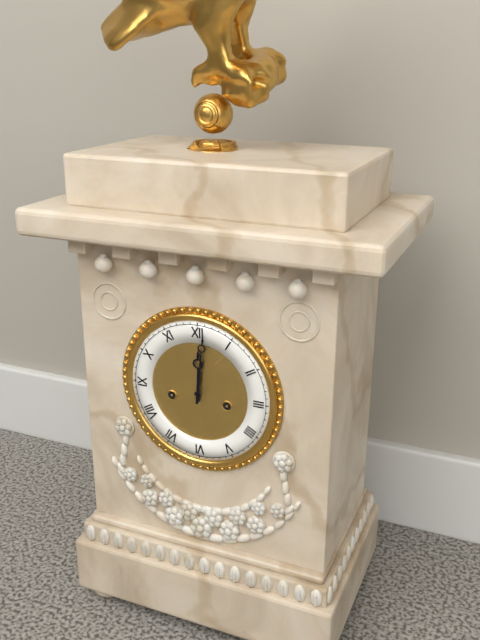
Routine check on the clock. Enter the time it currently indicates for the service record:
12:01
